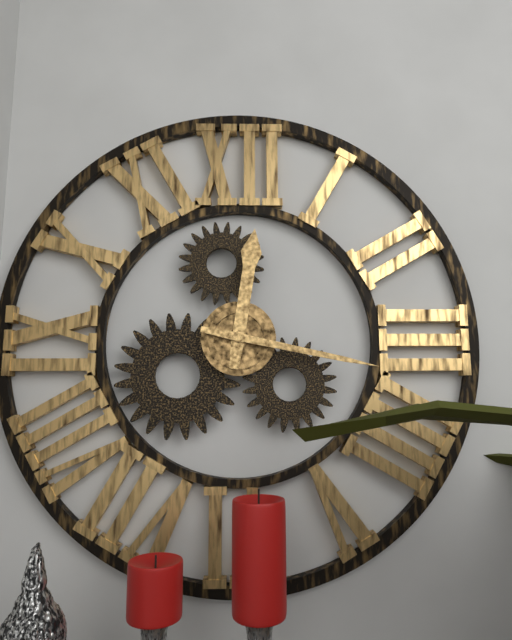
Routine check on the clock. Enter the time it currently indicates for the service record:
12:17
